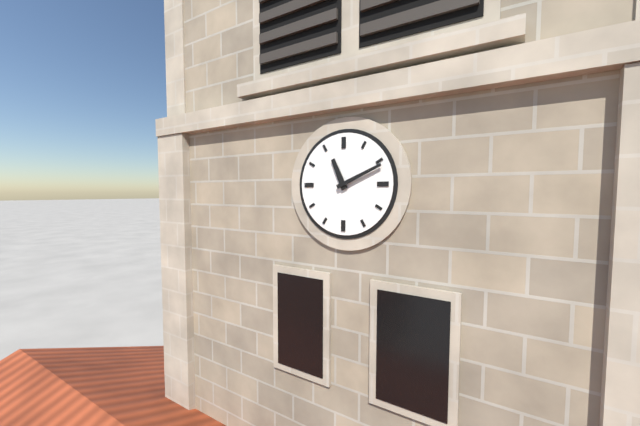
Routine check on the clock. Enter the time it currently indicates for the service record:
11:11
